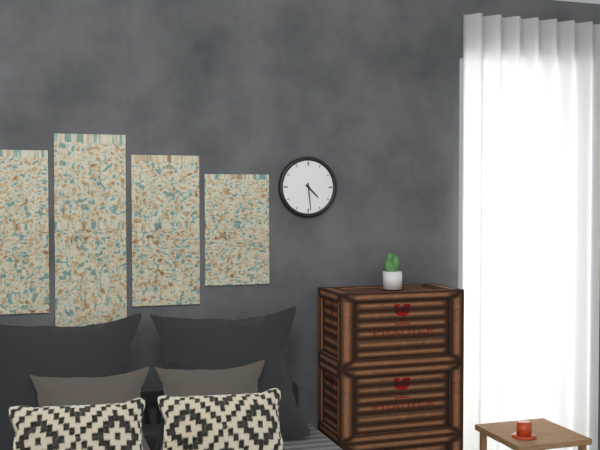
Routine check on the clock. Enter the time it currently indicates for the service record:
4:29
